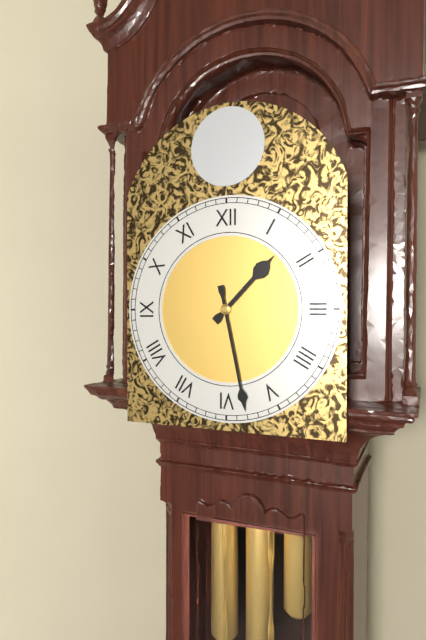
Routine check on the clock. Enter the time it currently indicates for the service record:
1:28
